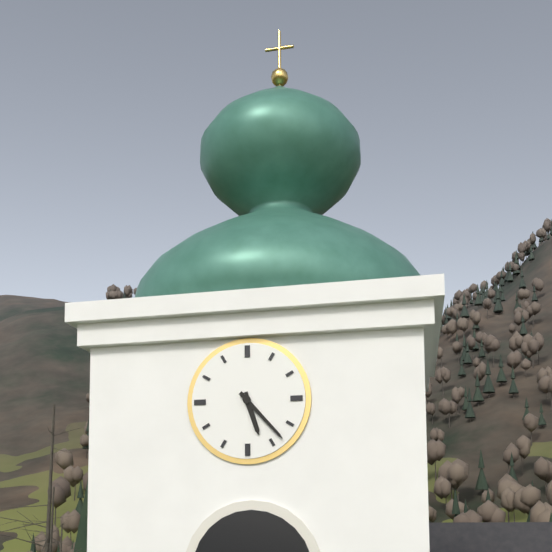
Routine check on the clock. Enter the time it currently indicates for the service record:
5:23
